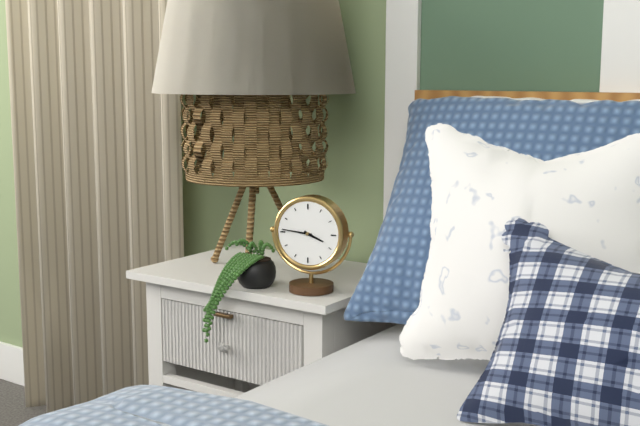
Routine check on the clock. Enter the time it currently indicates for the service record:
3:46
